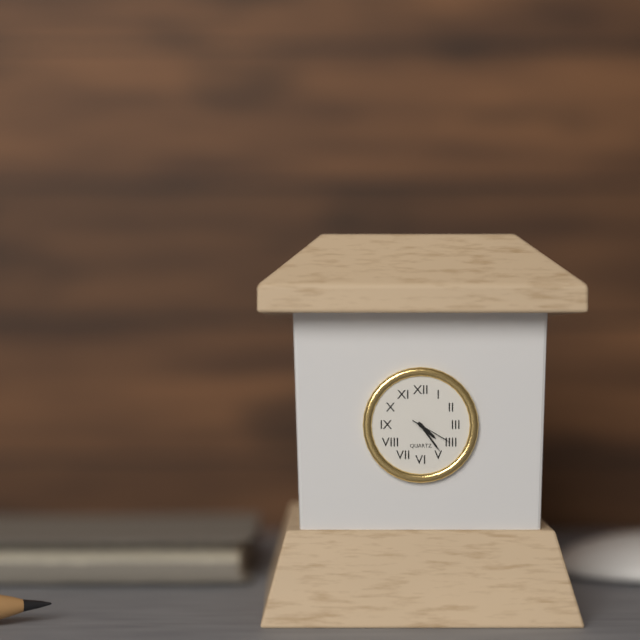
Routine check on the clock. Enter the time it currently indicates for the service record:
4:24
